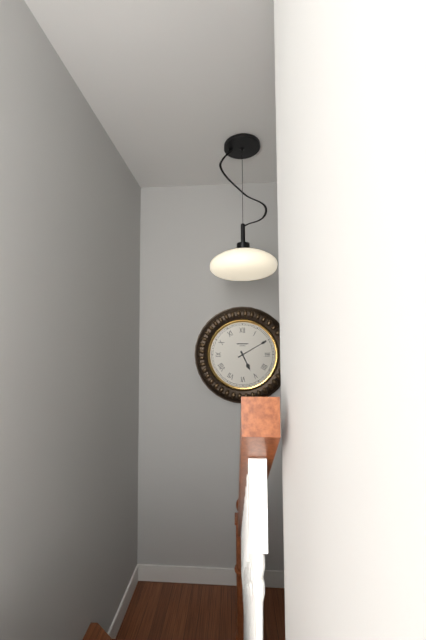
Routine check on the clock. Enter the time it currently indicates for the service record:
5:10
